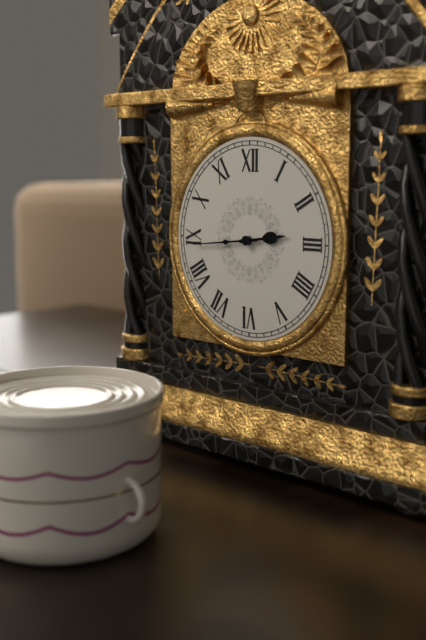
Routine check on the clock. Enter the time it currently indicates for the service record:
2:44
